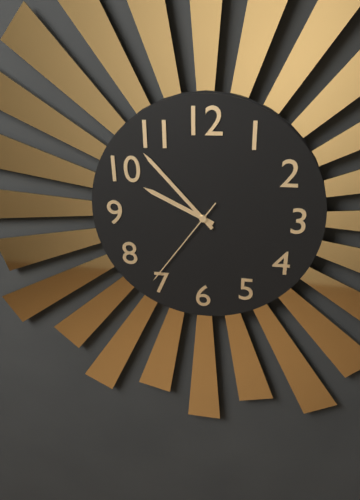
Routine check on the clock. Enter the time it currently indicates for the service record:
9:53:36
